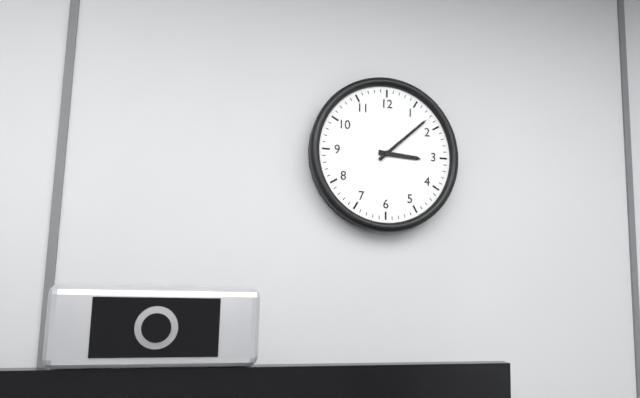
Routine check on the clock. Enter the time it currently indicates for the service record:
3:08
